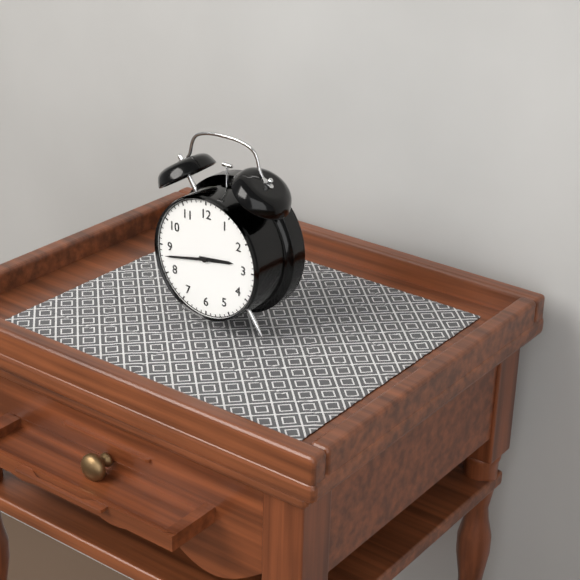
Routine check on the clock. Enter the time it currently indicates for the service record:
2:43
